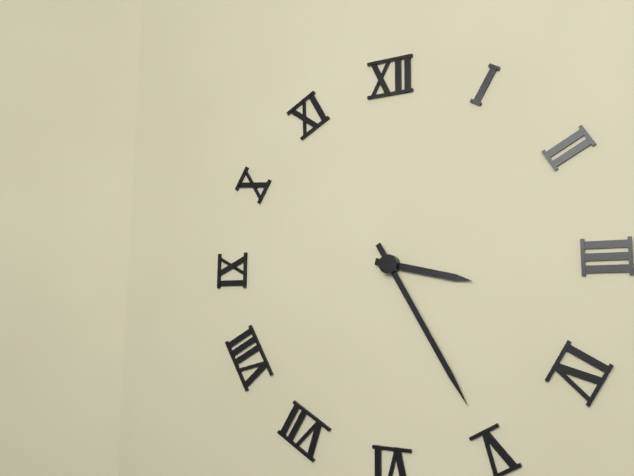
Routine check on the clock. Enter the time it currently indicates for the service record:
3:25
